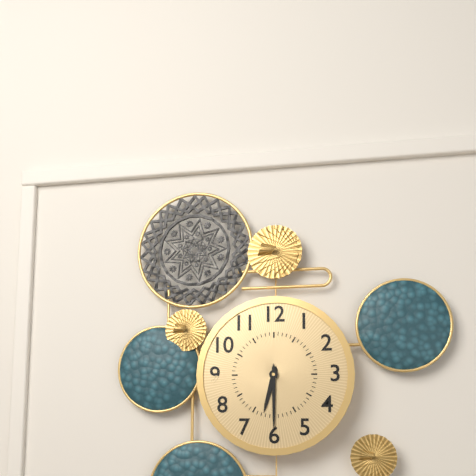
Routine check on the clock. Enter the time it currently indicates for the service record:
6:30
